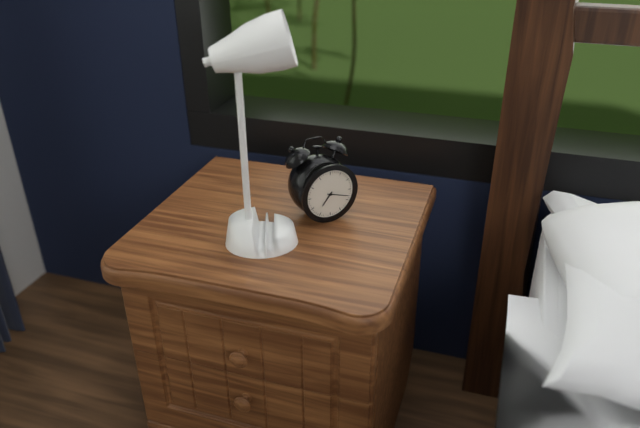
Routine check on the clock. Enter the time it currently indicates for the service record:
7:18
